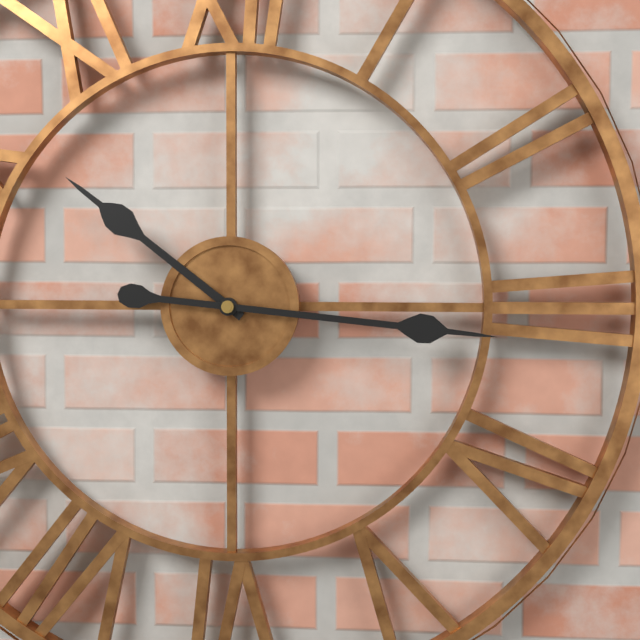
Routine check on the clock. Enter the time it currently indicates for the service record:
10:16
